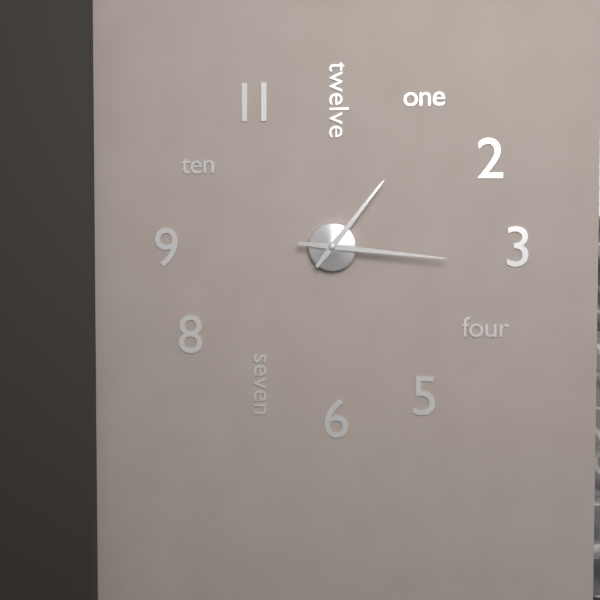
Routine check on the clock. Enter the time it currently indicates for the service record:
1:16
